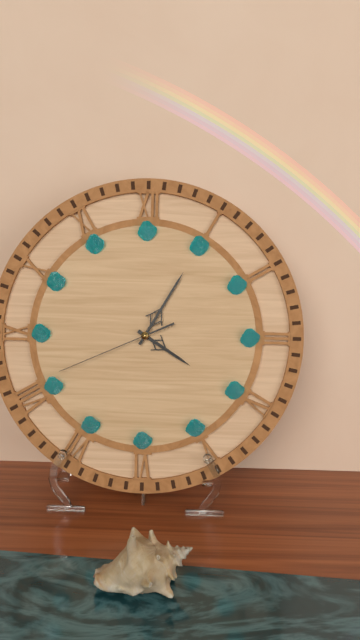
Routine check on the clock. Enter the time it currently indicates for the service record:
4:05:41
